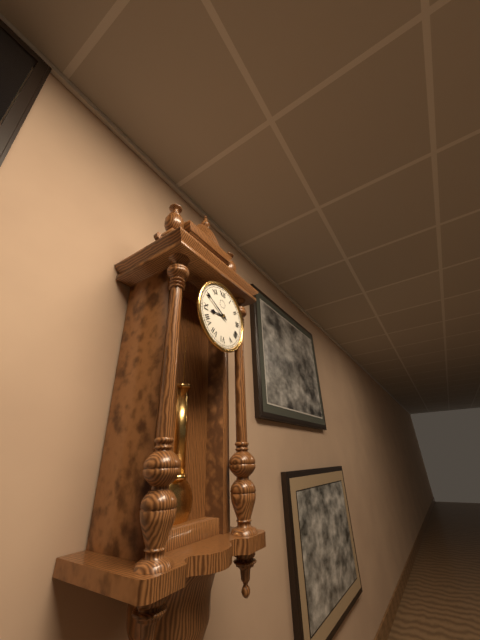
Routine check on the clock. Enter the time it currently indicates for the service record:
8:50
